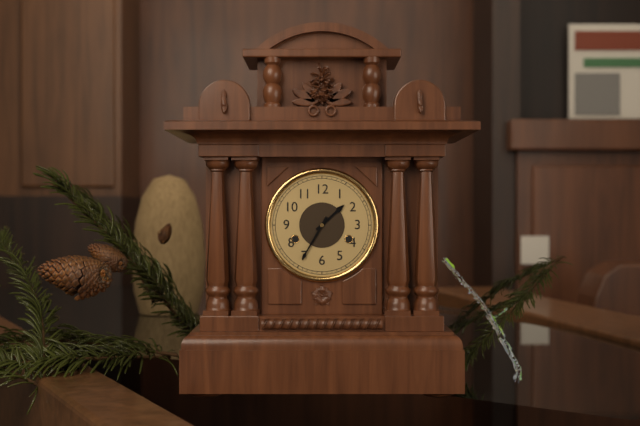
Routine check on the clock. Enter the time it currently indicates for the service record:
1:35
